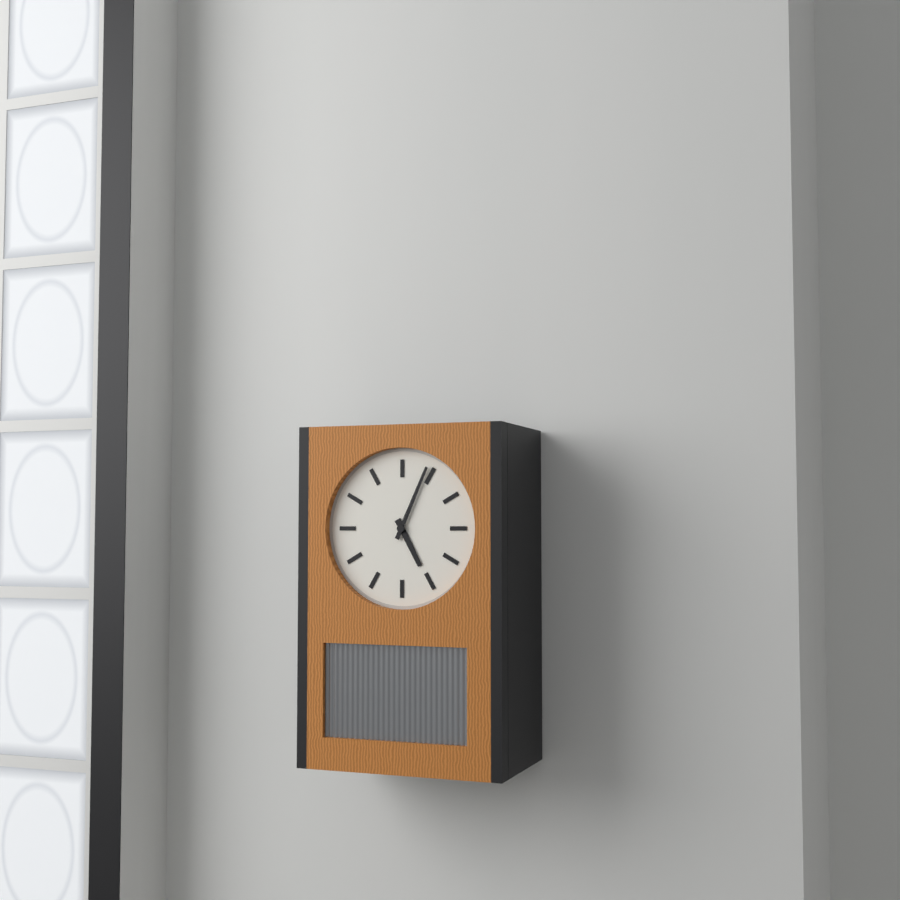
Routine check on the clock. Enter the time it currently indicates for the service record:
5:04
